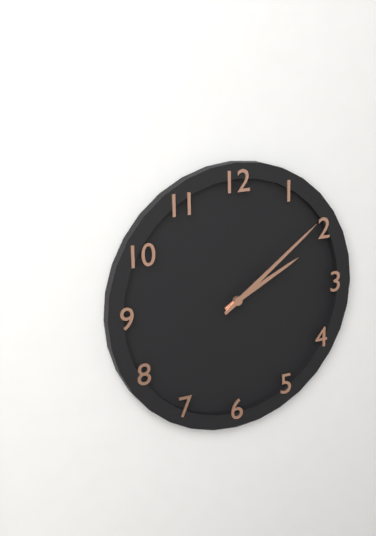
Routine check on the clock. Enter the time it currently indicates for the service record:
2:09
